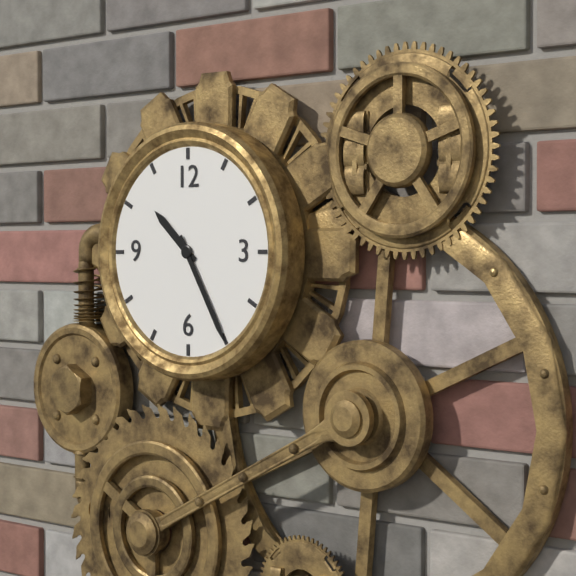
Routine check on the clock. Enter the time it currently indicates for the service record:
10:25
